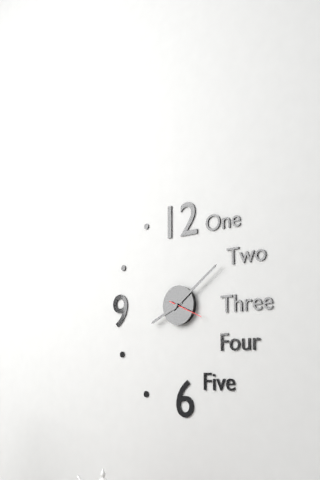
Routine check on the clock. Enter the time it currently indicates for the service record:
8:09
